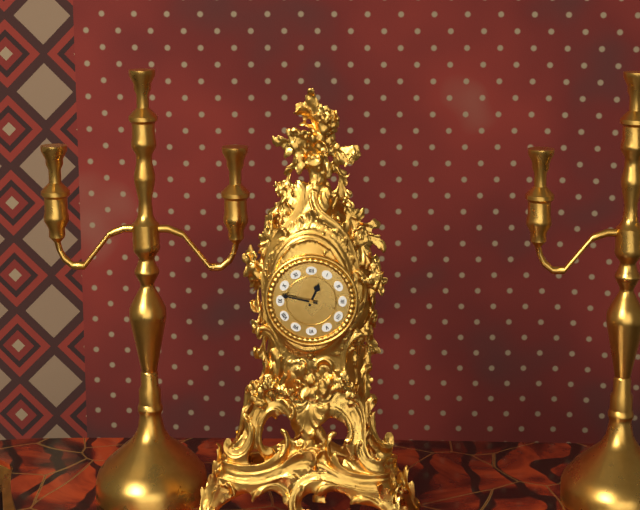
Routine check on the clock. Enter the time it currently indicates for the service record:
12:47
